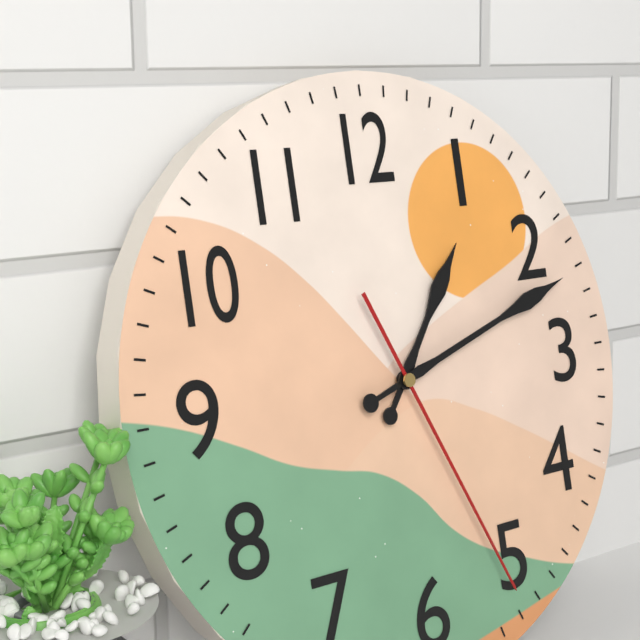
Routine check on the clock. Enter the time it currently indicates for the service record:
1:12:26
